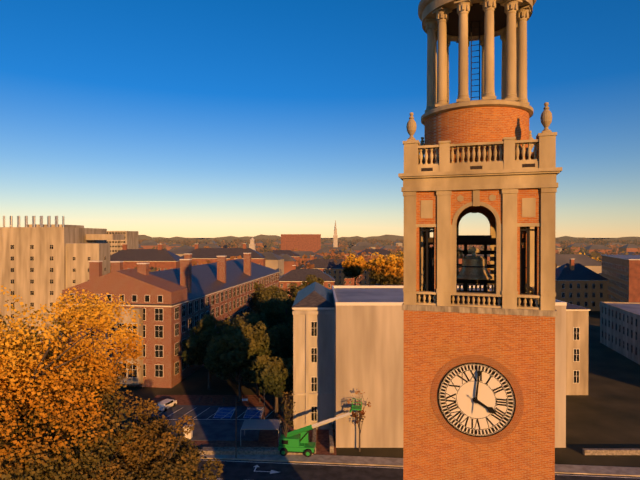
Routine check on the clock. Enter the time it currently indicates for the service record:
4:01
